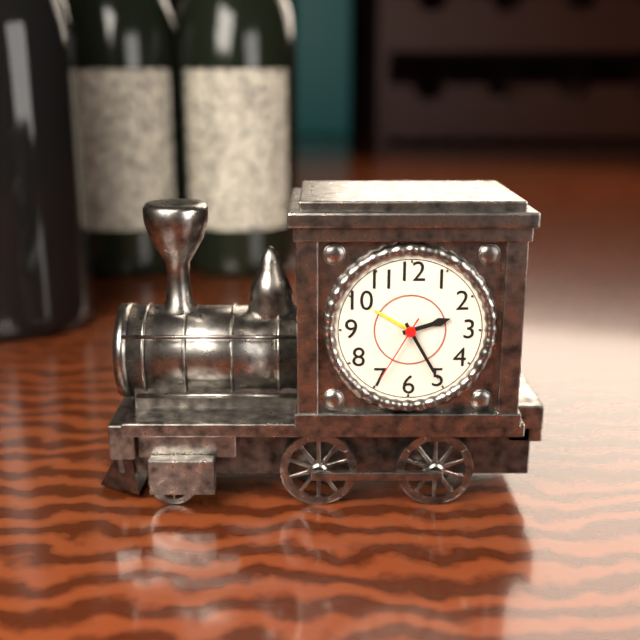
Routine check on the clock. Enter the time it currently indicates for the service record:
2:25:35
